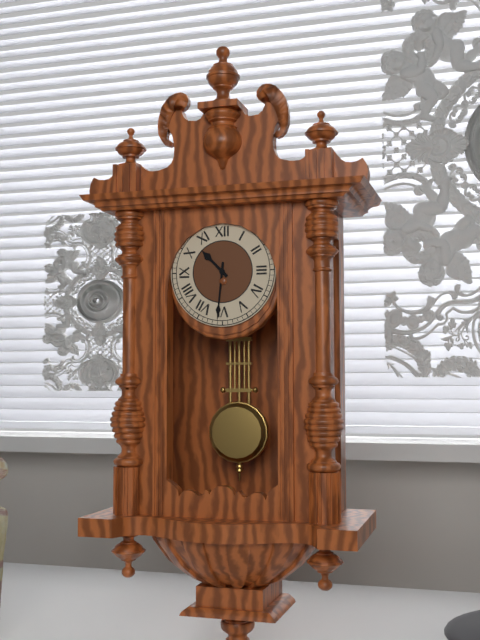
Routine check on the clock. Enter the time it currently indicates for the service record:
10:31
